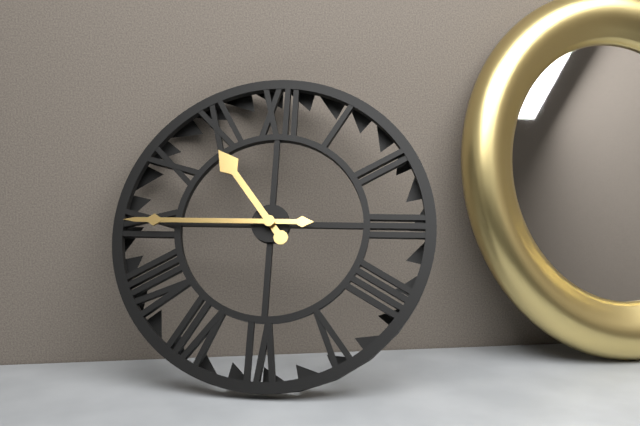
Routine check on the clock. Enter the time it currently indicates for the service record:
10:45
